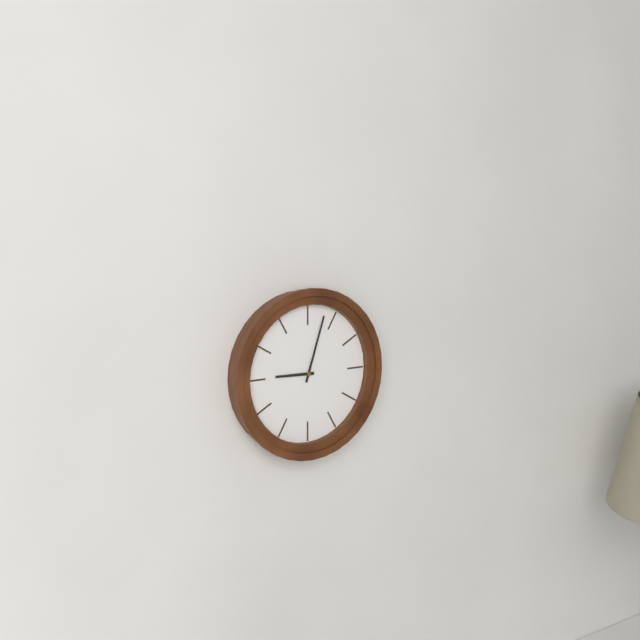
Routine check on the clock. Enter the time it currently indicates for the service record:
9:03
